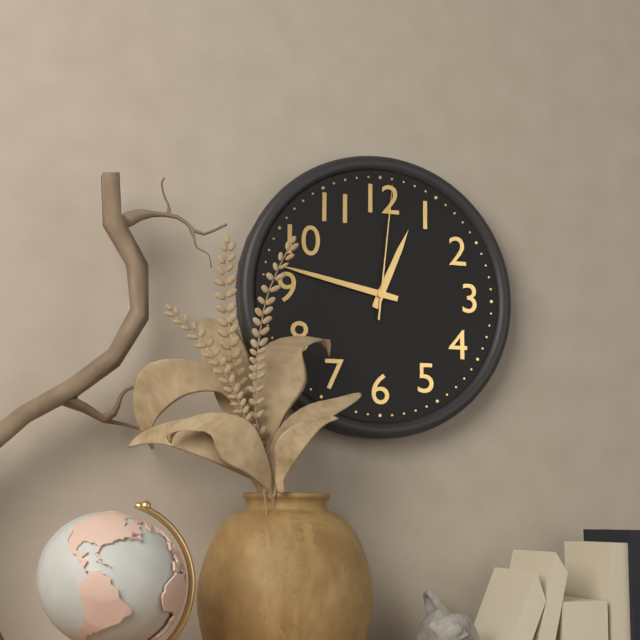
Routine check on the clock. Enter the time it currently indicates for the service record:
12:47:01
